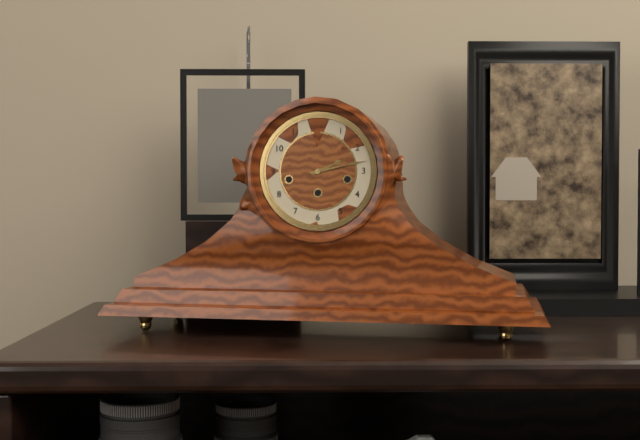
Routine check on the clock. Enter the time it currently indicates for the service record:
2:13
